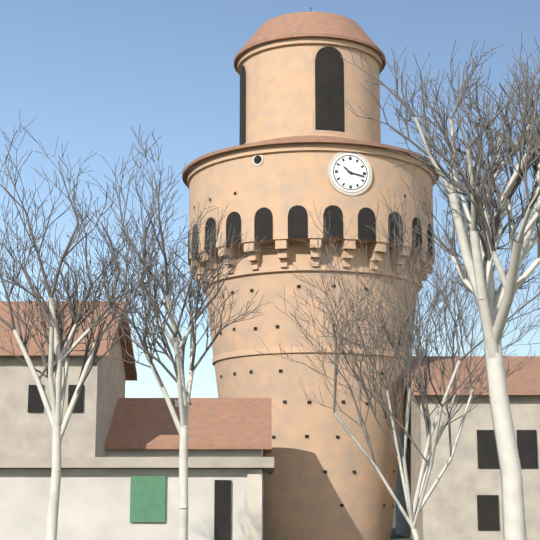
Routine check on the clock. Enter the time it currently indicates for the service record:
10:17
